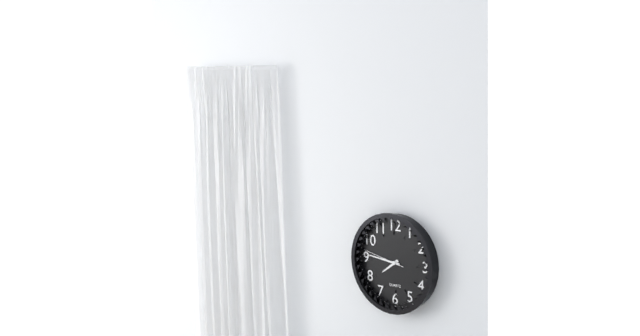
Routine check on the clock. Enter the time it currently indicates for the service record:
7:46
